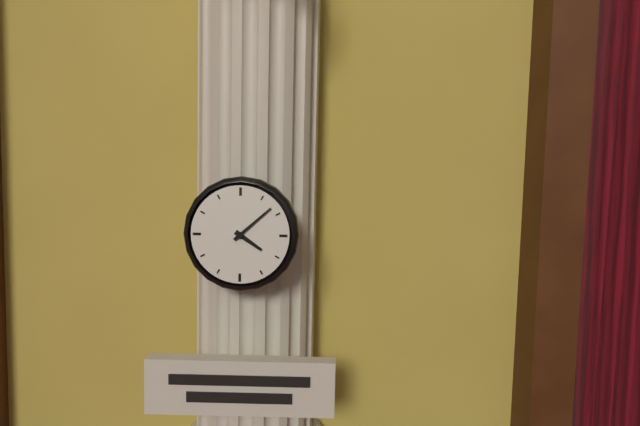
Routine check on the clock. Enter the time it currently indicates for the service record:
4:08
